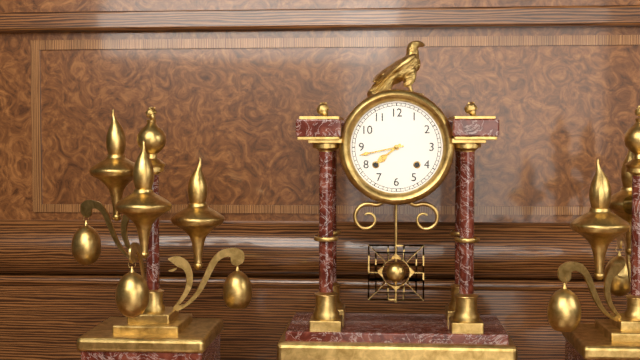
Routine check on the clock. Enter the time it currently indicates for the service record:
7:43
